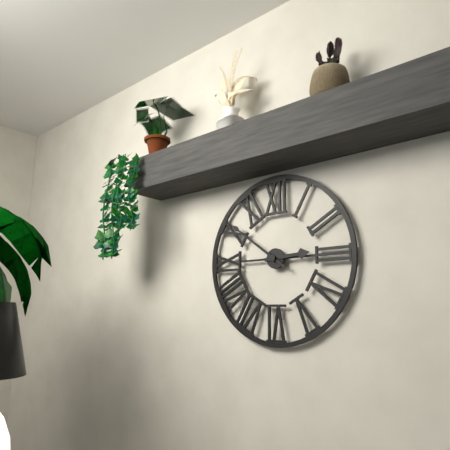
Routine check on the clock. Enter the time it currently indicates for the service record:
2:51
